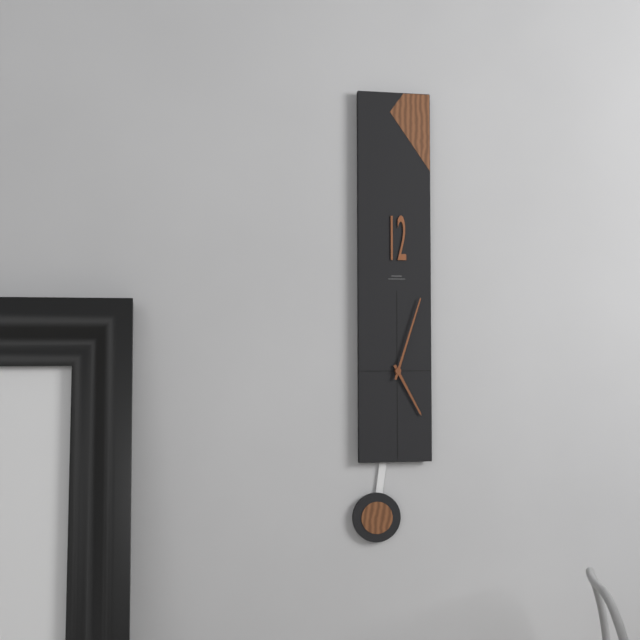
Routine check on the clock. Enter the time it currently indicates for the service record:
5:03
